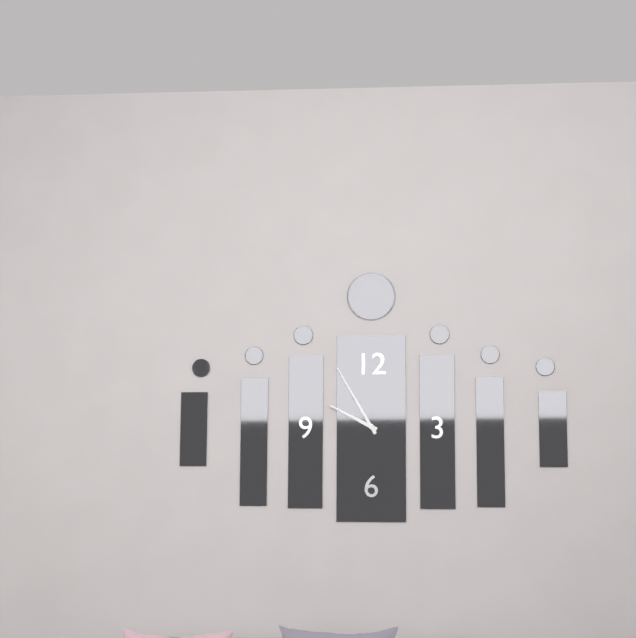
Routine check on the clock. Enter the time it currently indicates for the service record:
9:55
